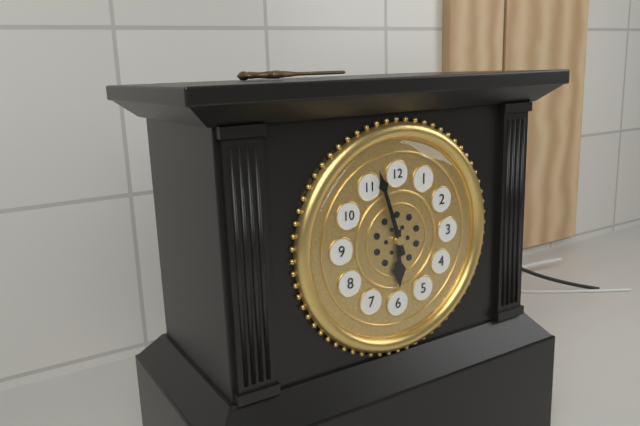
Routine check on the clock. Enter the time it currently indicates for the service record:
5:57
